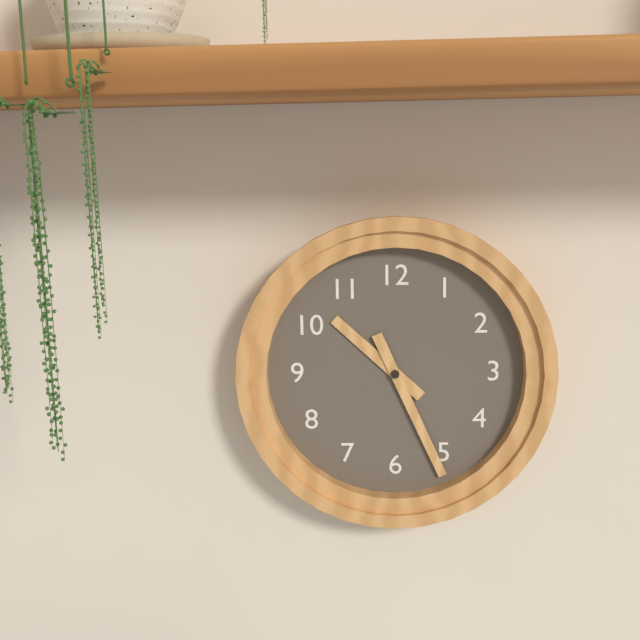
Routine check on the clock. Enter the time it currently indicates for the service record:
10:26
